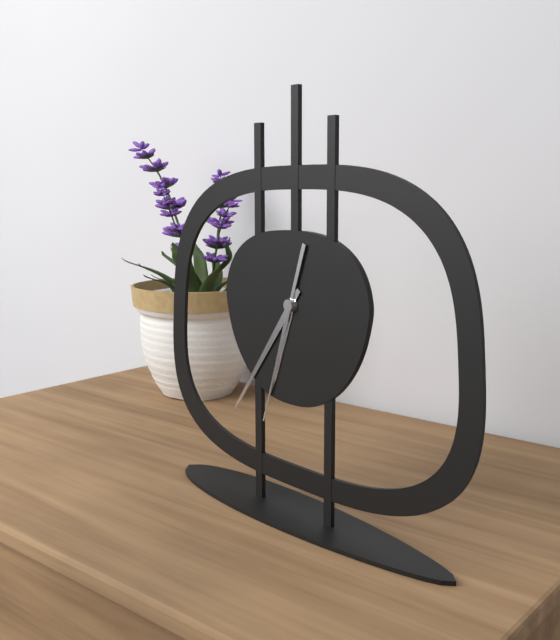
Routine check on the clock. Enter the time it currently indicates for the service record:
6:36:33
